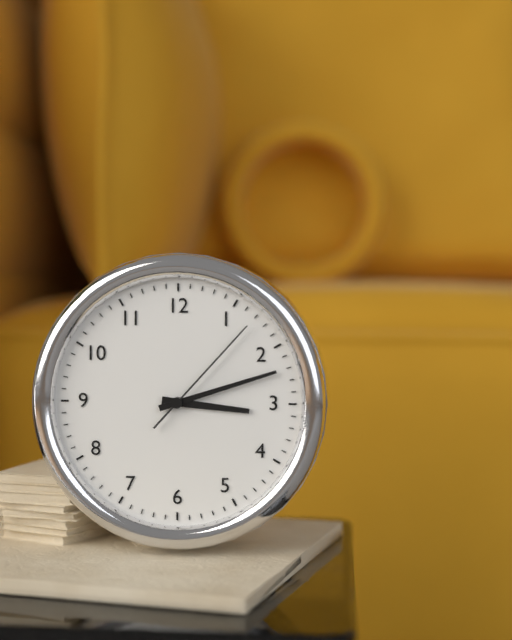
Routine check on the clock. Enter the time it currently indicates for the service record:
3:12:07
